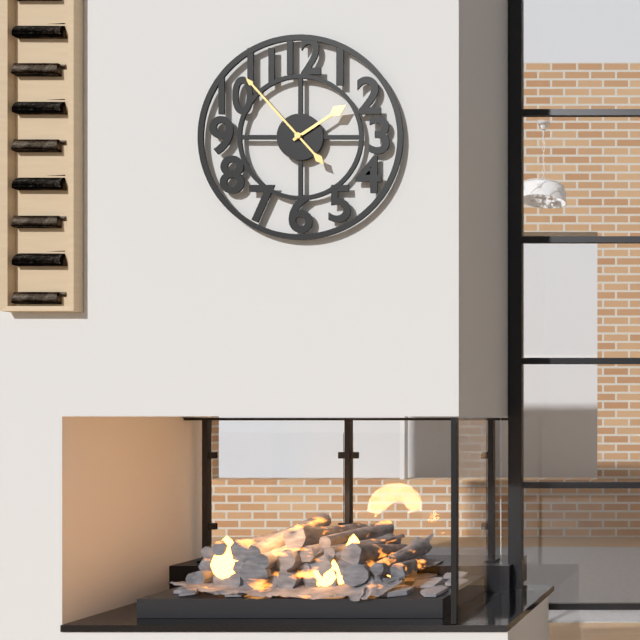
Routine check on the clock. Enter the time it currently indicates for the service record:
1:53
